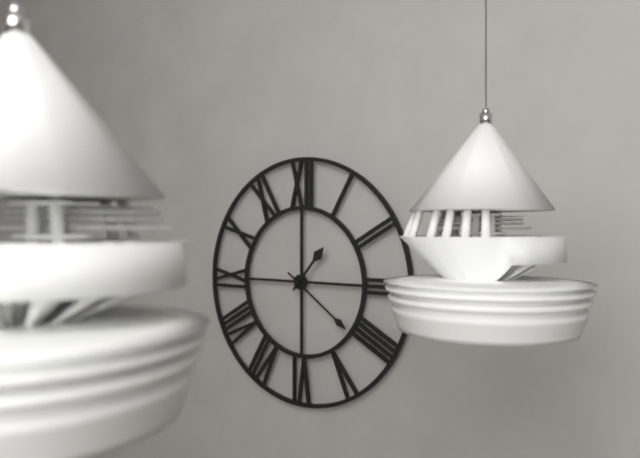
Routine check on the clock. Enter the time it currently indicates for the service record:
1:21
